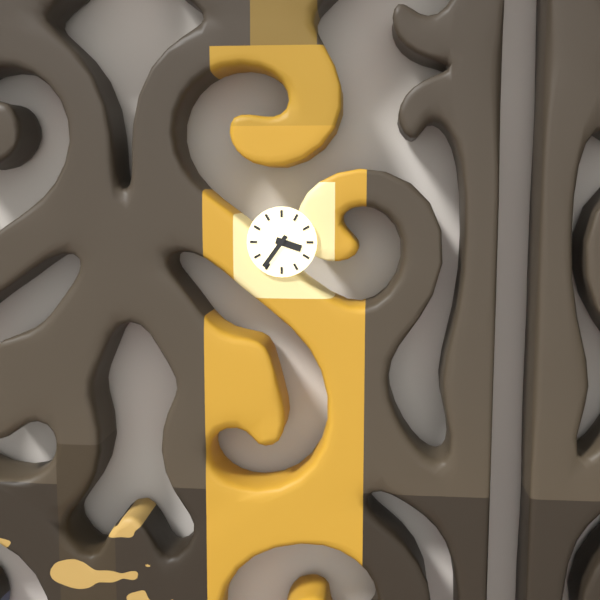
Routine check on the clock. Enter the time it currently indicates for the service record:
3:36
